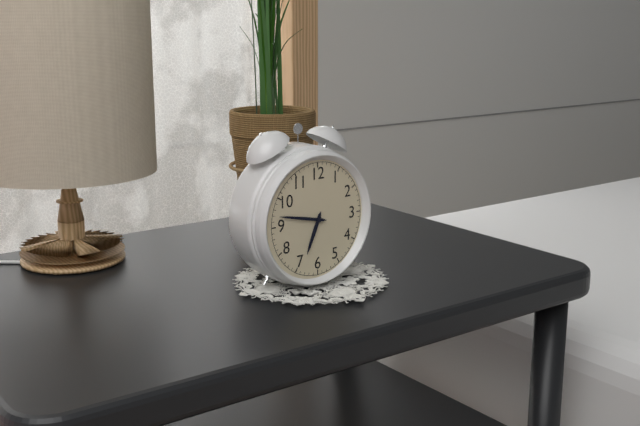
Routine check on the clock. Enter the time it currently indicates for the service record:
6:47
